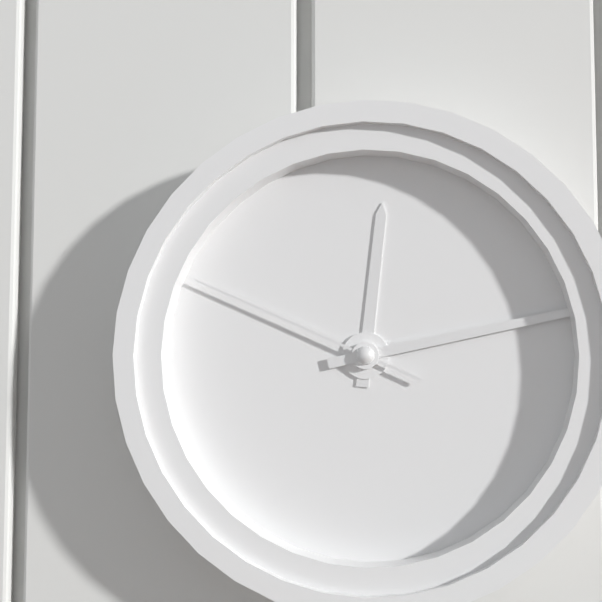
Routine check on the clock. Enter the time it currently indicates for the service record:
12:13:49
